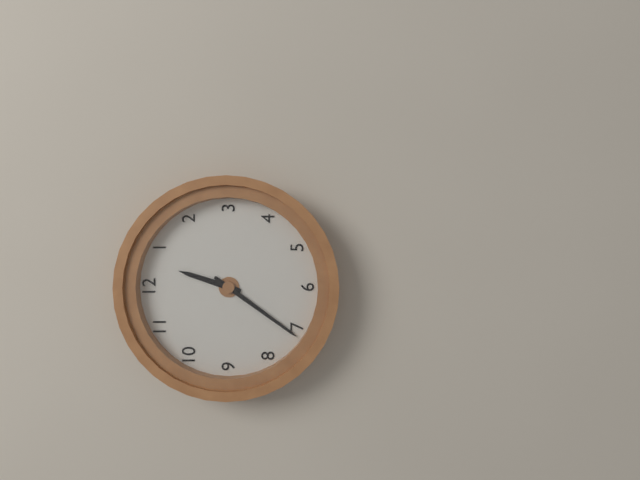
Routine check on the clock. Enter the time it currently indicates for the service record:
12:36
